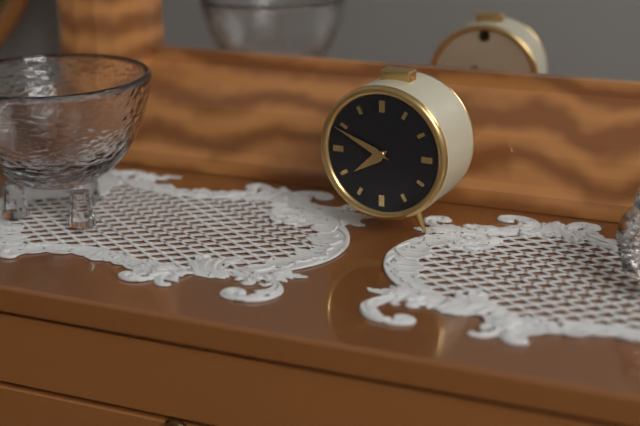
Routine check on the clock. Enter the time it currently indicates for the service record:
7:49
